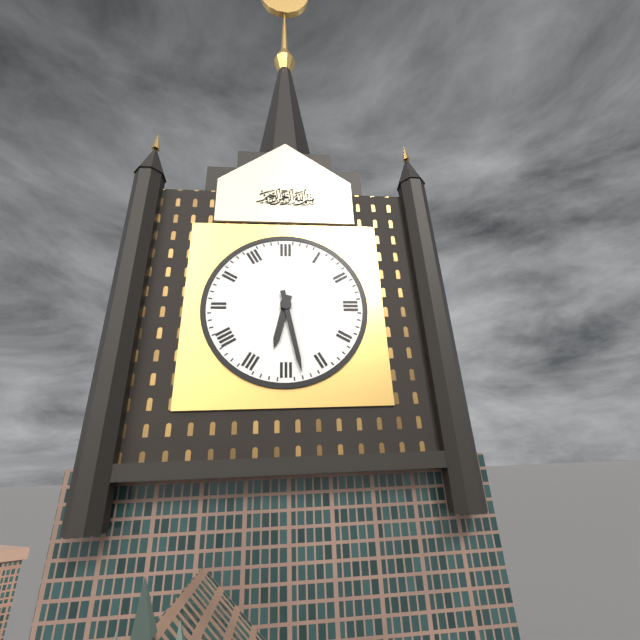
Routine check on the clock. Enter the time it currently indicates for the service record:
6:28
